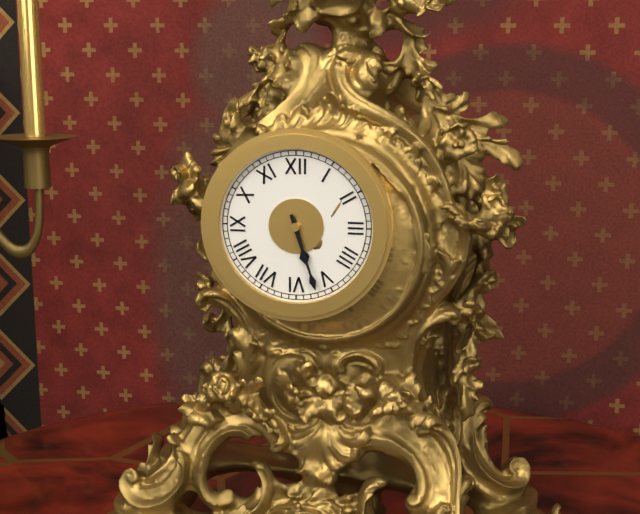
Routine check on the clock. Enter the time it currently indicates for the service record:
5:27
